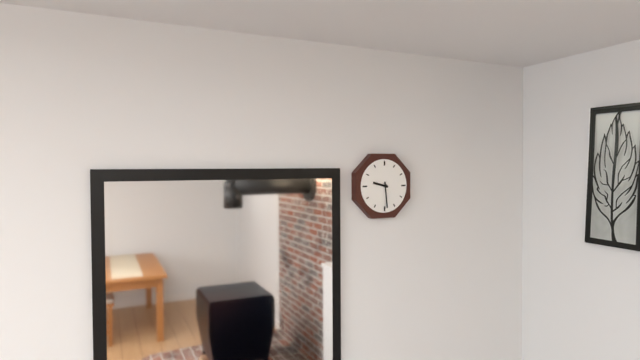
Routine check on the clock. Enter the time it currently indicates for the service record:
9:29
